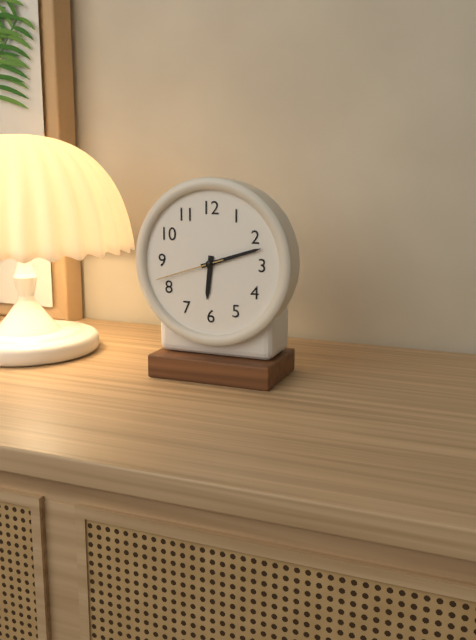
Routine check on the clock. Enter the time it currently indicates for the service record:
6:12:42
